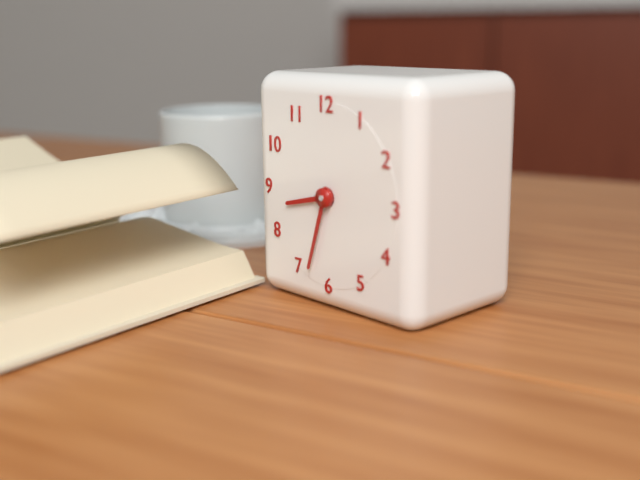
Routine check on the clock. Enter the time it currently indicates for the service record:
8:33
